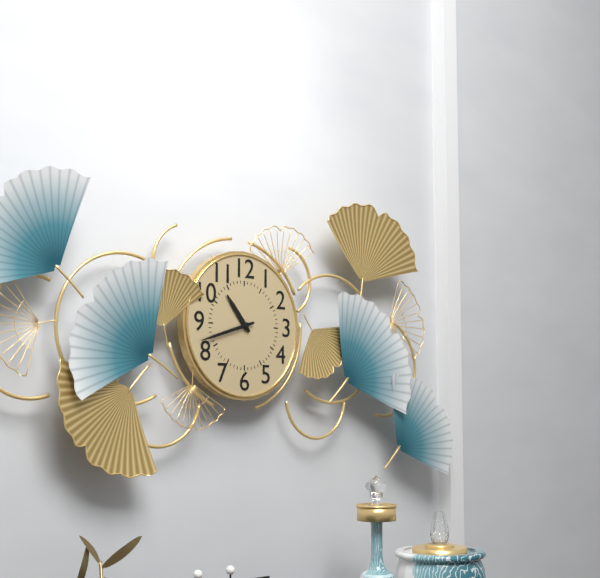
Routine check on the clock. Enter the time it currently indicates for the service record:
10:42
